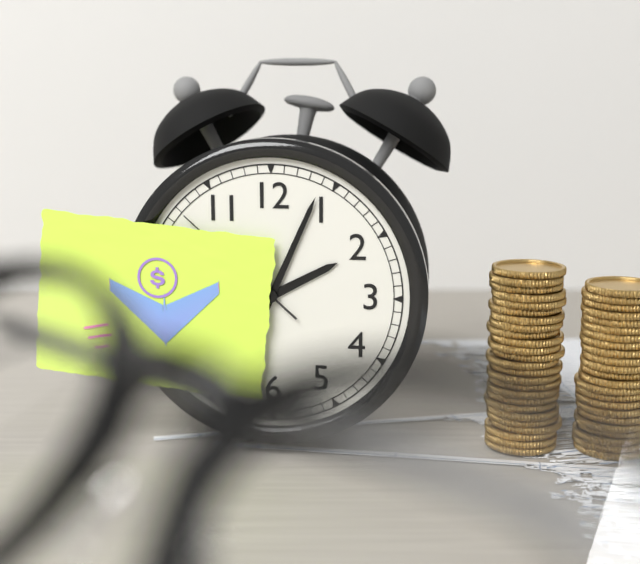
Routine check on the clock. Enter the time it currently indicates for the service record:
2:04:52
